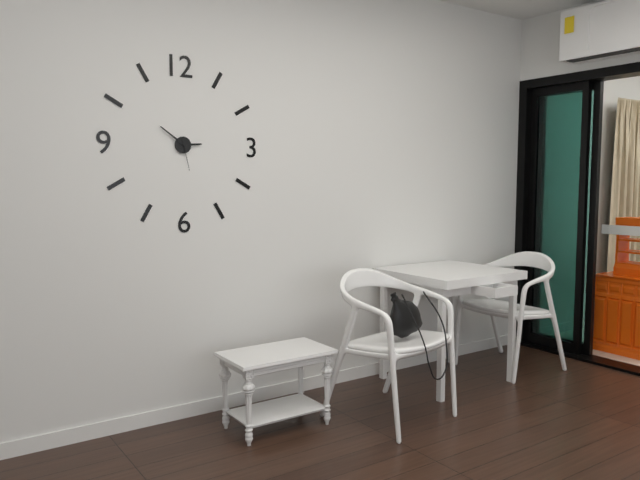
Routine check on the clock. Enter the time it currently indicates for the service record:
2:51
